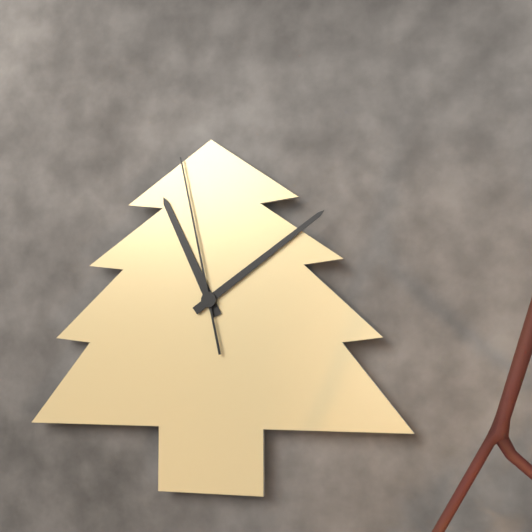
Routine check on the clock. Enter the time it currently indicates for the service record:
11:09:58
